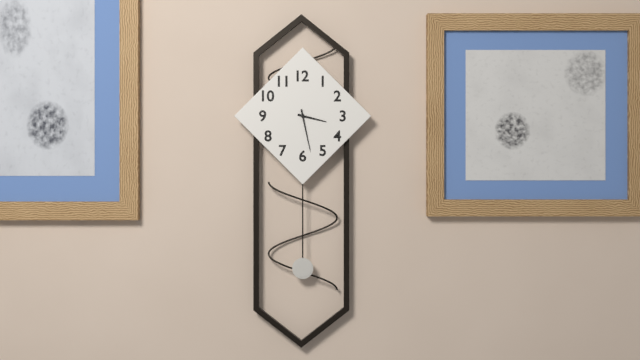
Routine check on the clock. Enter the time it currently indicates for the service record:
3:28
